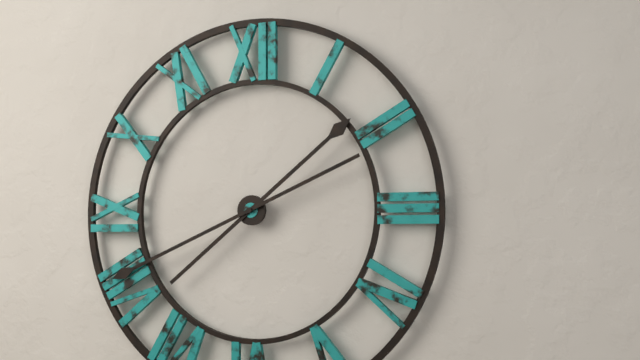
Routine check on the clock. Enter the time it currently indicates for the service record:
1:41
